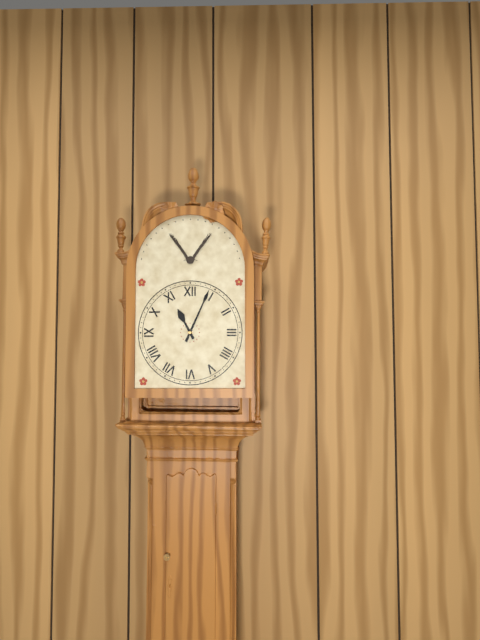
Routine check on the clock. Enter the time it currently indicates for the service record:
11:04
